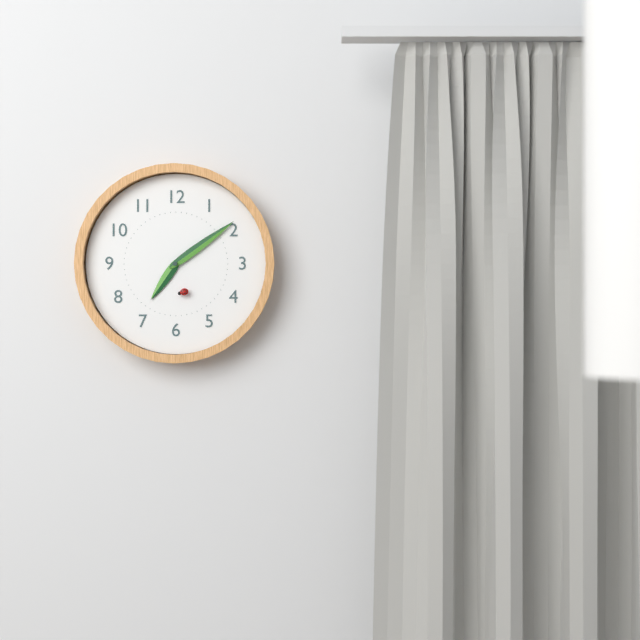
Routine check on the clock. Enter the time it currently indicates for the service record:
7:09
